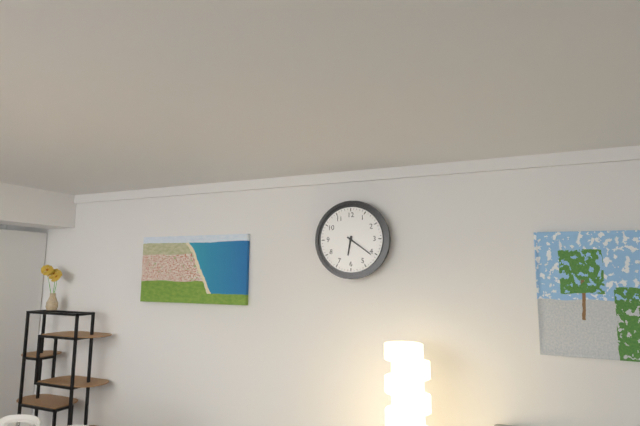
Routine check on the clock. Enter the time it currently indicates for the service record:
6:21
